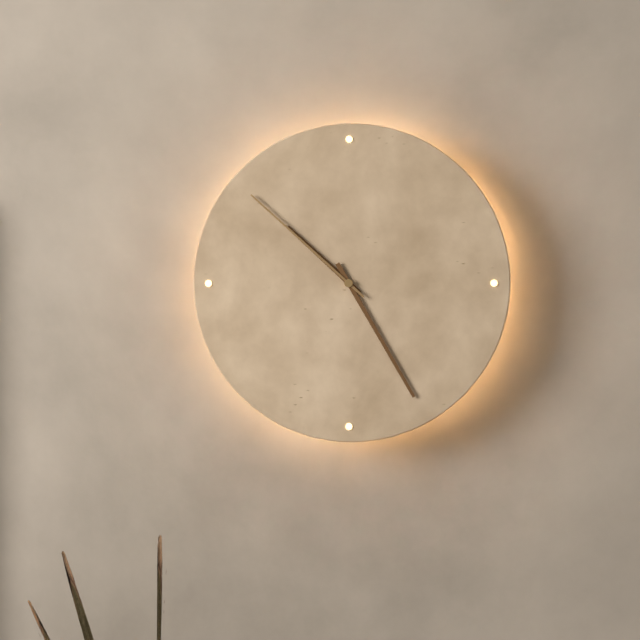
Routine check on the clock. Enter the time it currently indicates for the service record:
10:25:52
